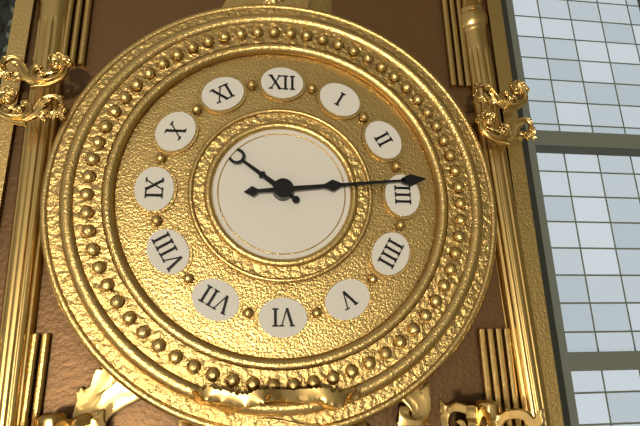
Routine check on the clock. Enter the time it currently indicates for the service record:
10:14
